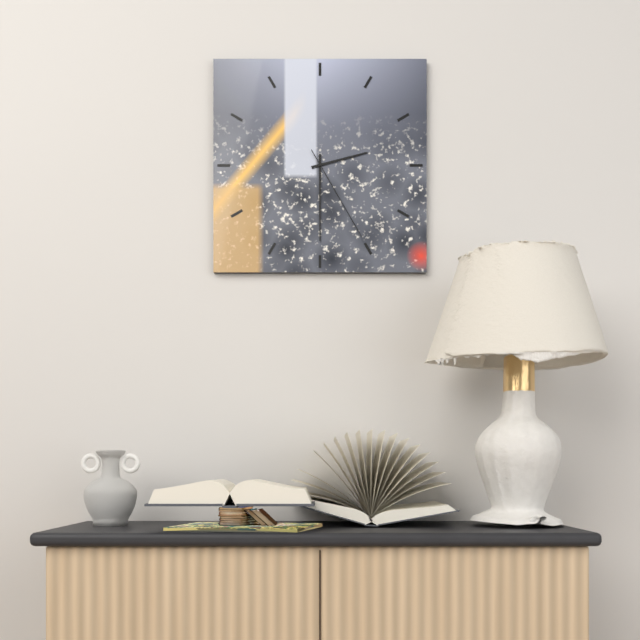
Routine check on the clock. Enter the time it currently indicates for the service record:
2:30:25
